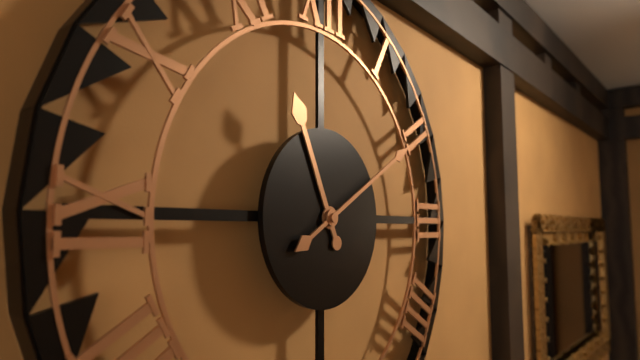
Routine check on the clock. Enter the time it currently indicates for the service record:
11:10
